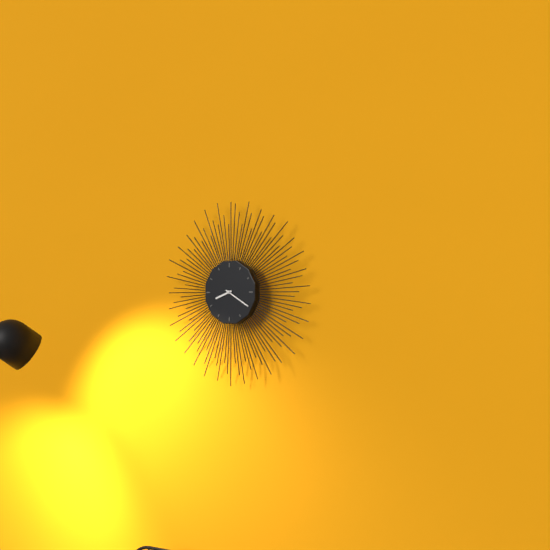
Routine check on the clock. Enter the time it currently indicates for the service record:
8:20
